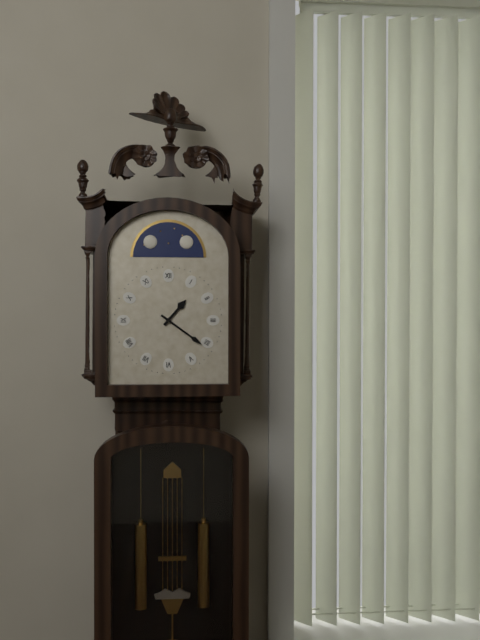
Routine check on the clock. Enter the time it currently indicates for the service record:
1:21
